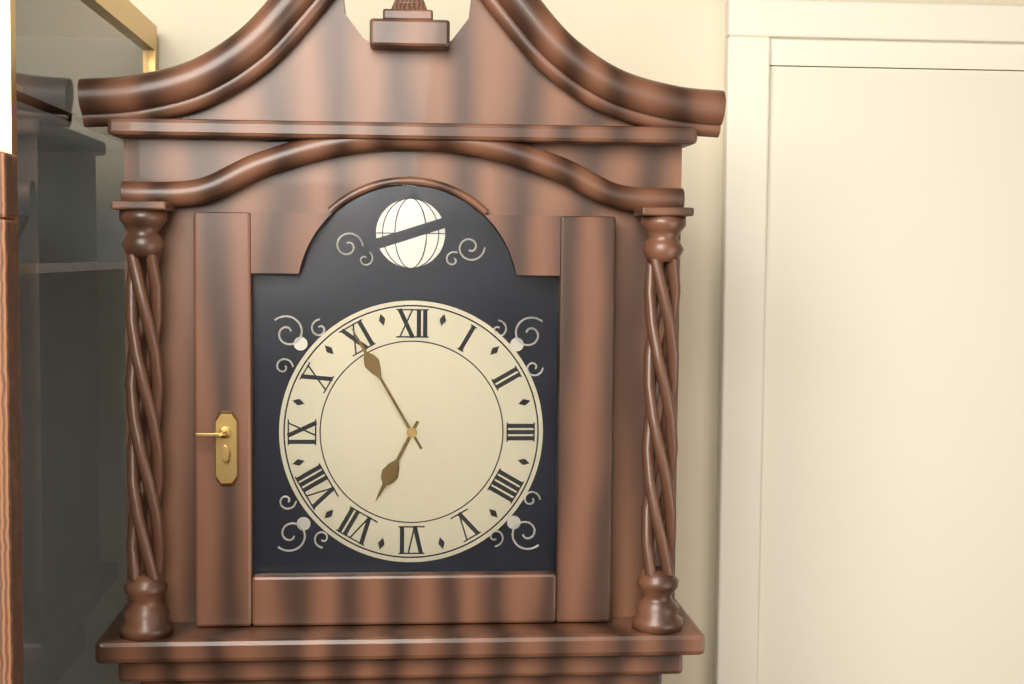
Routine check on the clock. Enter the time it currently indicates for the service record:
6:55
